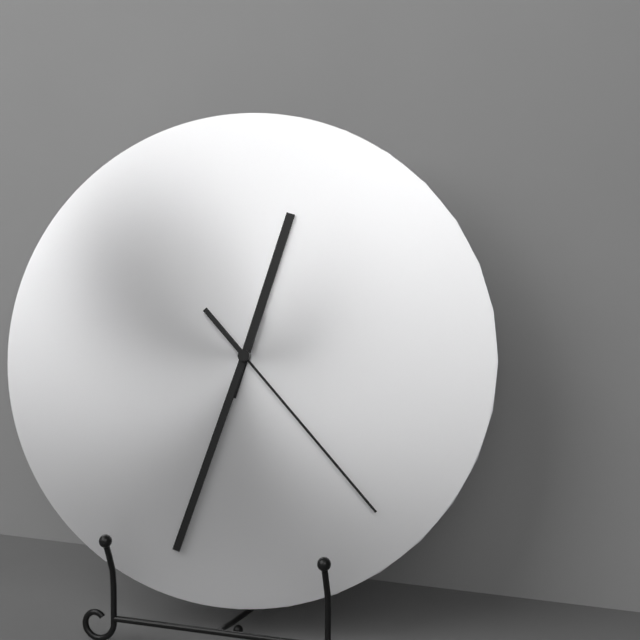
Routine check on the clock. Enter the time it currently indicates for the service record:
12:33:23
